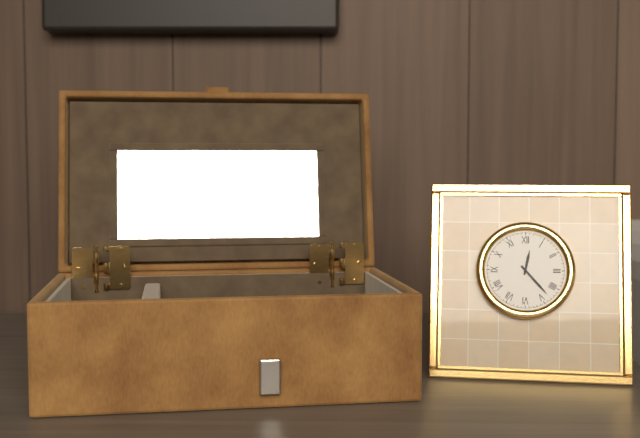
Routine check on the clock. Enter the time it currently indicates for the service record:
12:23
